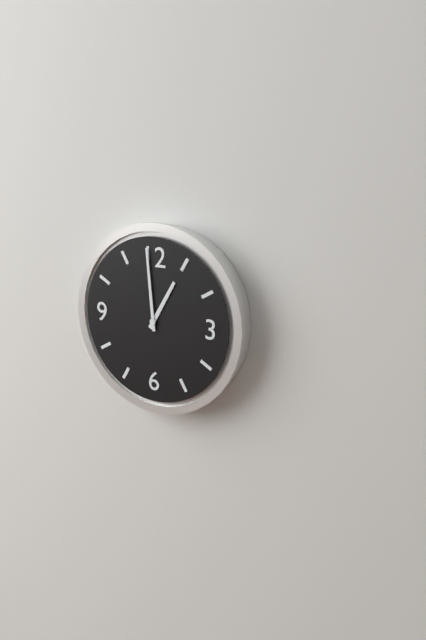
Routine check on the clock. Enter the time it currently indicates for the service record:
12:59
